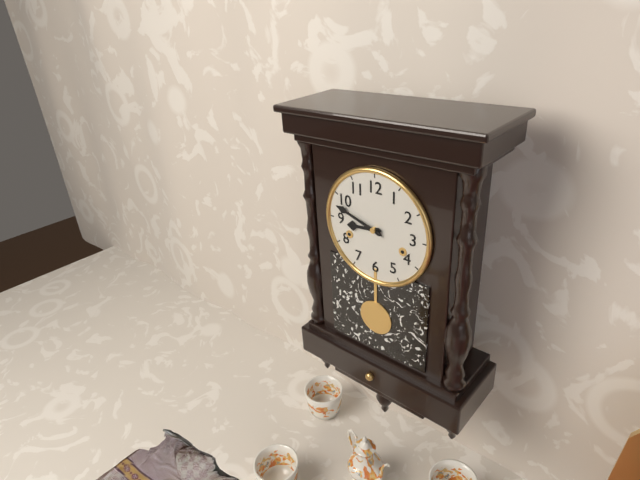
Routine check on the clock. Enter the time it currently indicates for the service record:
8:48
